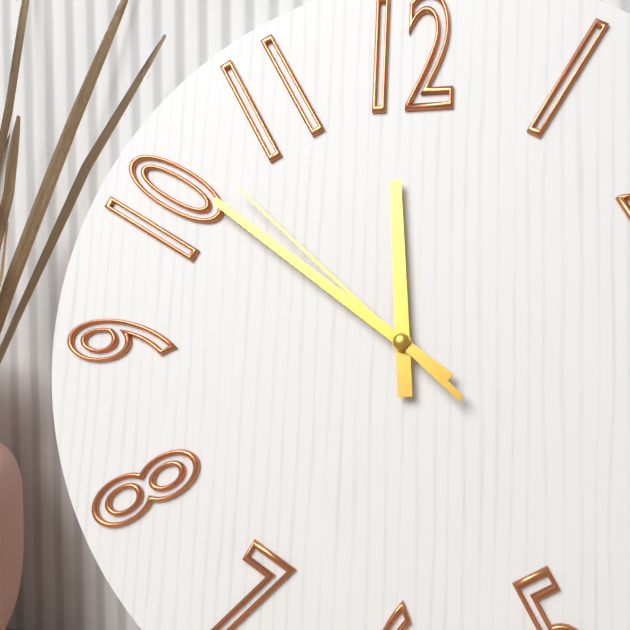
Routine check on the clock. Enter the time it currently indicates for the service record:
11:51:52
